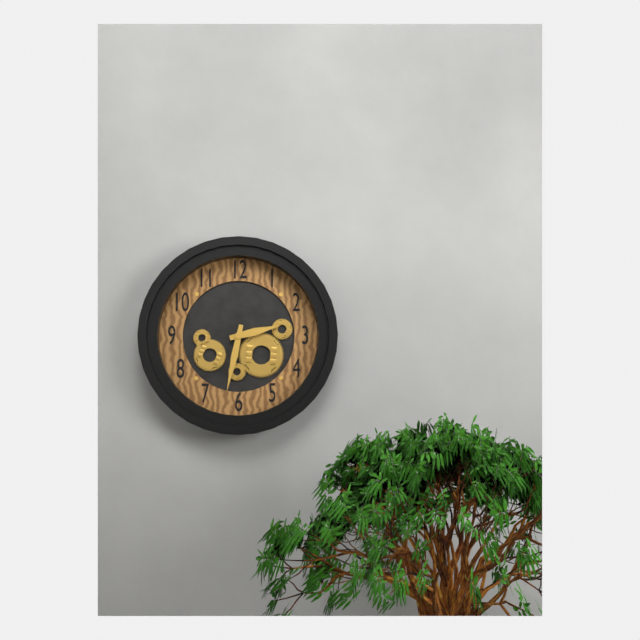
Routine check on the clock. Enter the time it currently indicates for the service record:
2:32
